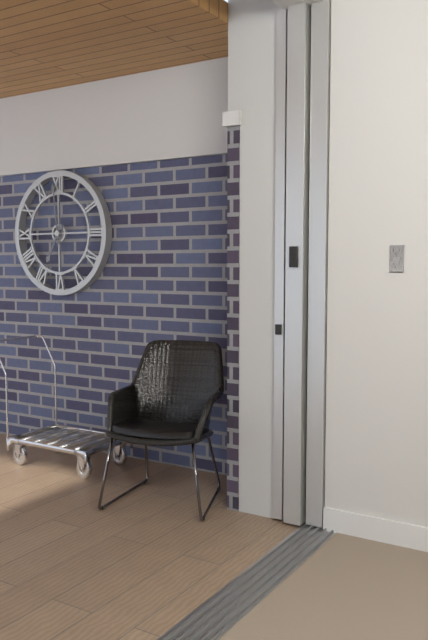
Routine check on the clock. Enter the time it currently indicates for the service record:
6:59
